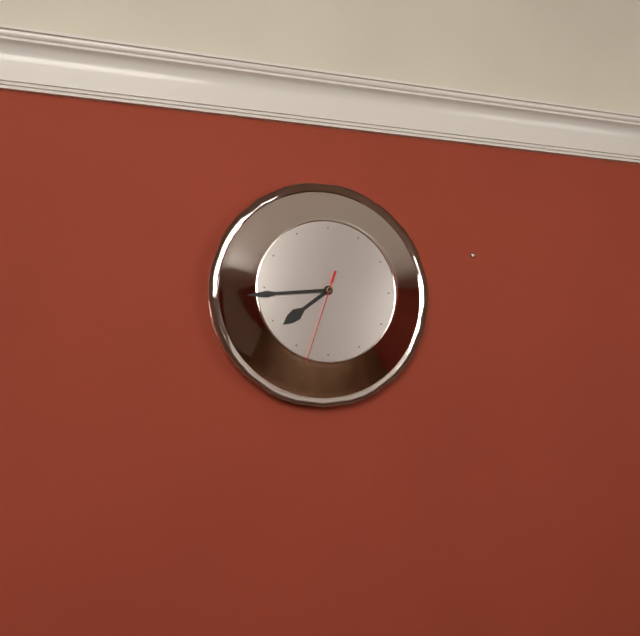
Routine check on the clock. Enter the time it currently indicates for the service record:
7:44:33
